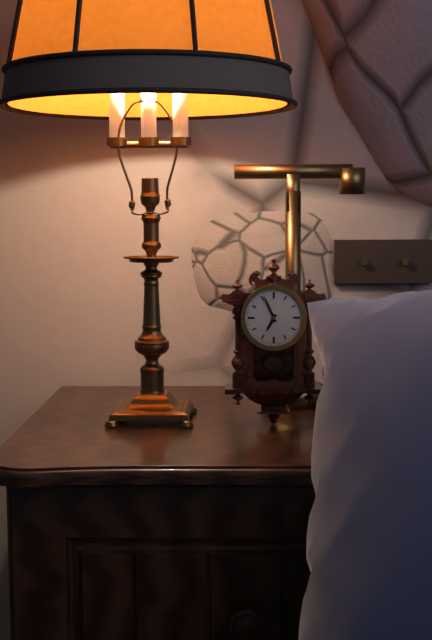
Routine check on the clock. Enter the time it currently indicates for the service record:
6:56
